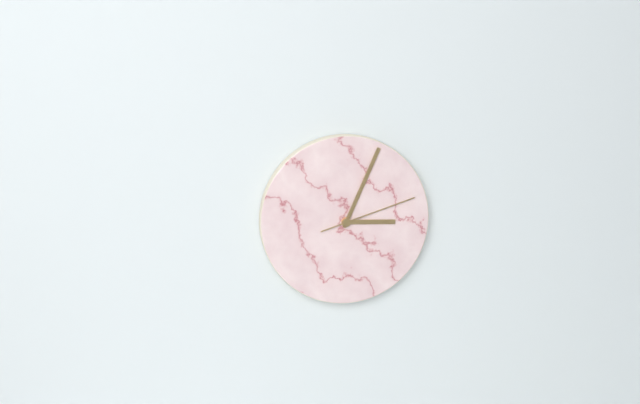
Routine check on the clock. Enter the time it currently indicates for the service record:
3:04:12
